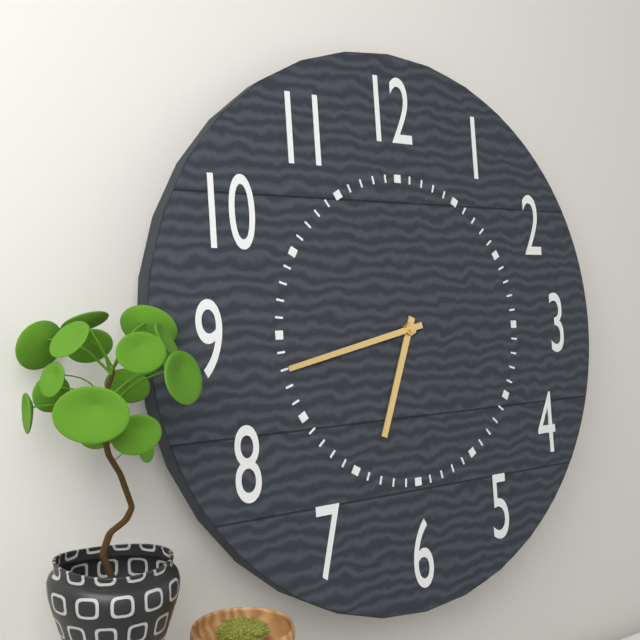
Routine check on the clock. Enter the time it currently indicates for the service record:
6:43
